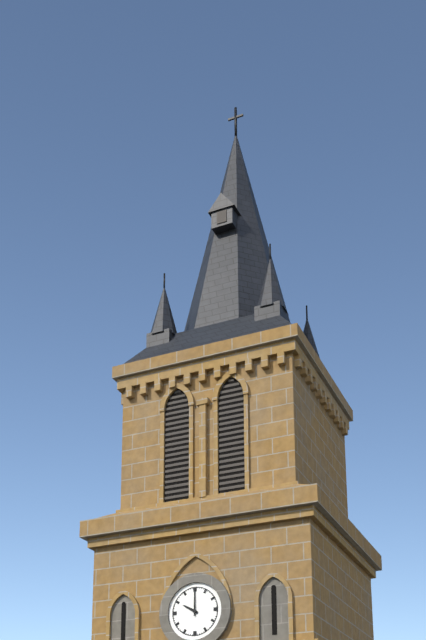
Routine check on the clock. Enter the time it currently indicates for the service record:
10:00
